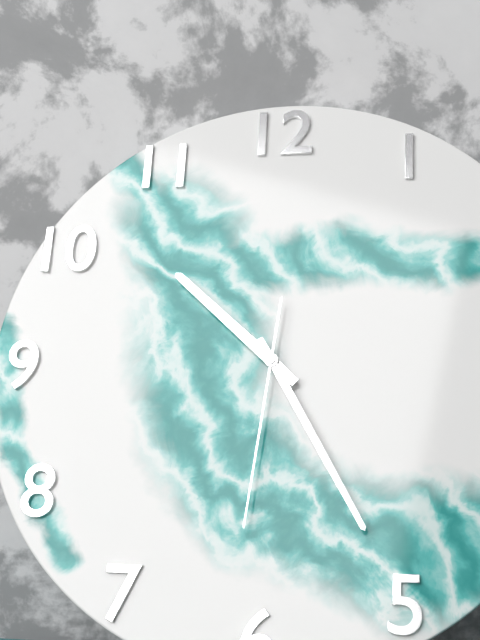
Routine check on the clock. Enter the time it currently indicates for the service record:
10:25:31
